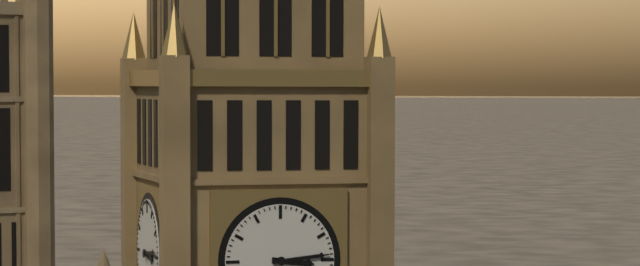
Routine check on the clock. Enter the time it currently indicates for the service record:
3:14
